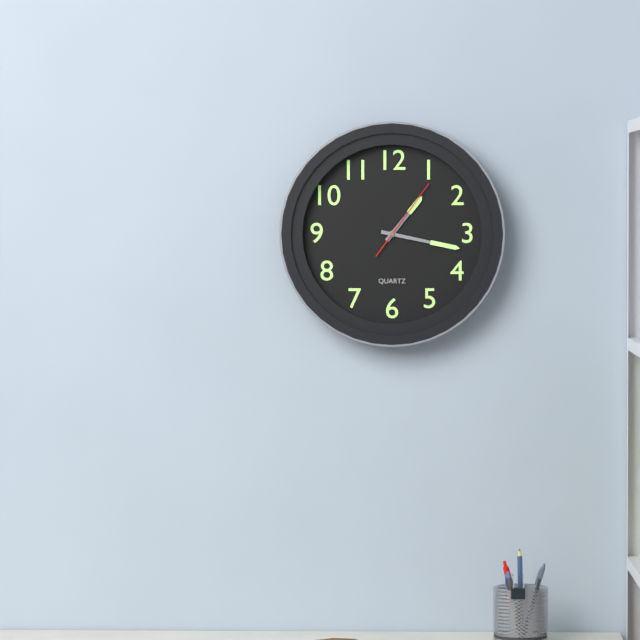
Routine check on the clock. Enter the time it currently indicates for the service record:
1:17:06
